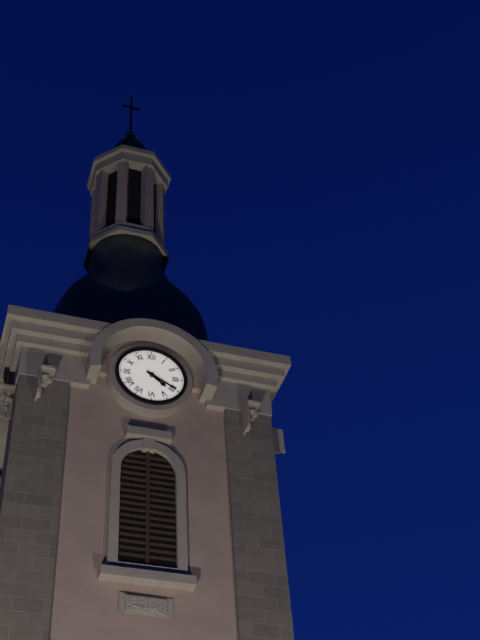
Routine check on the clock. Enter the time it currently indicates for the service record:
4:20
